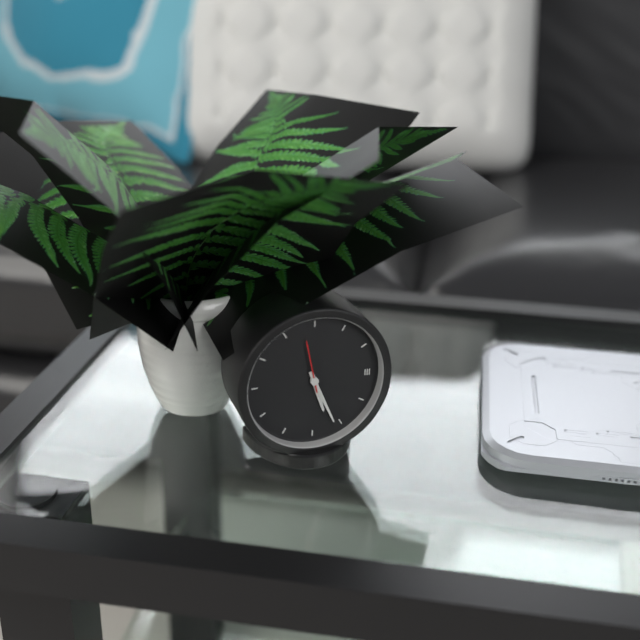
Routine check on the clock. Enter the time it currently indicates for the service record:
5:26
